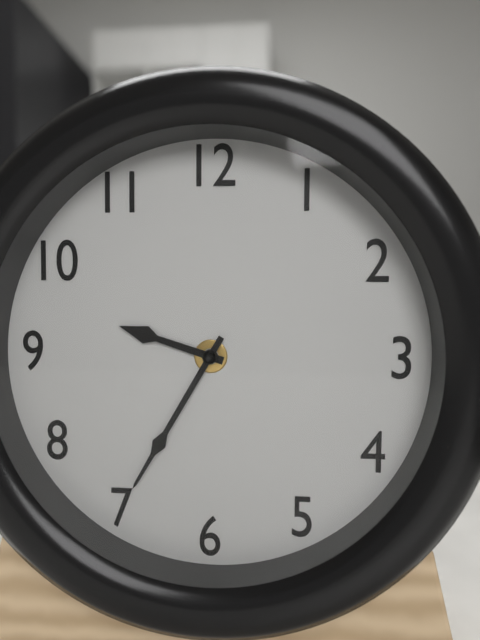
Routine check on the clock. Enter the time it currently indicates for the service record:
9:35
